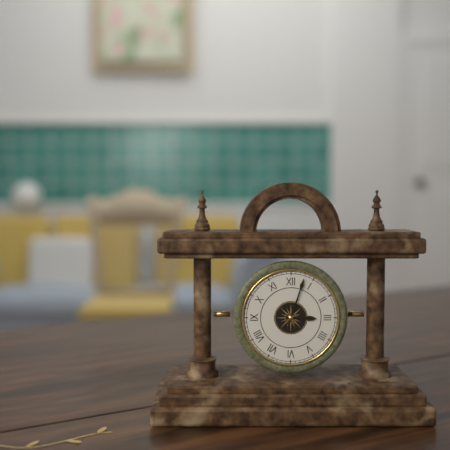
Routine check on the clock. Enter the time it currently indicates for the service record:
3:03
